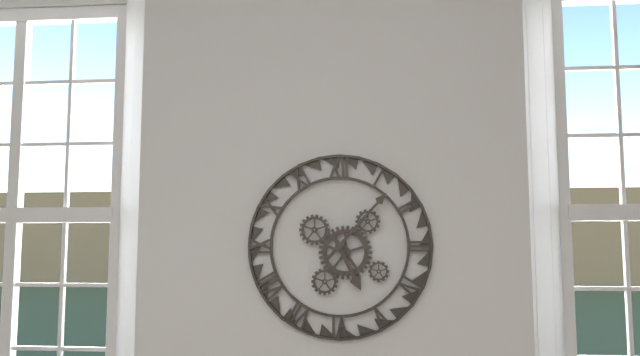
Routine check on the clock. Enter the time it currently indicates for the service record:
5:07
